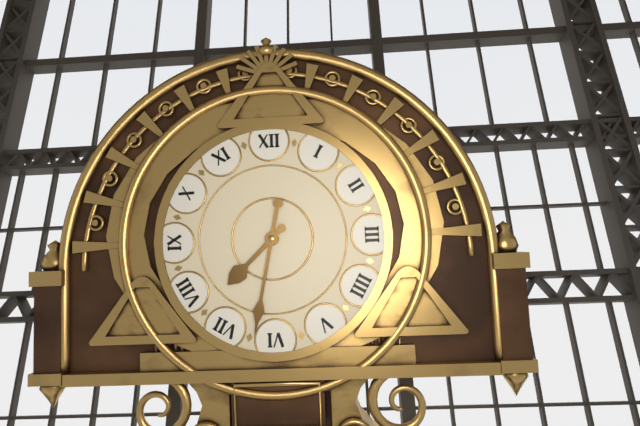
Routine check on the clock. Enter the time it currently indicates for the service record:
7:32
